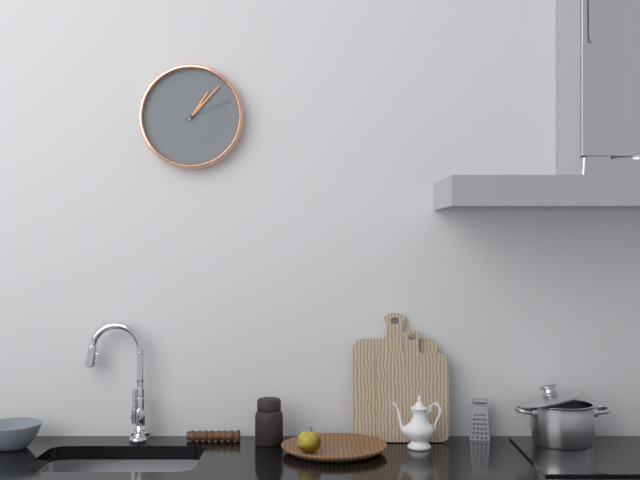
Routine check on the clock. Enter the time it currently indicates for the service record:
1:07:11
